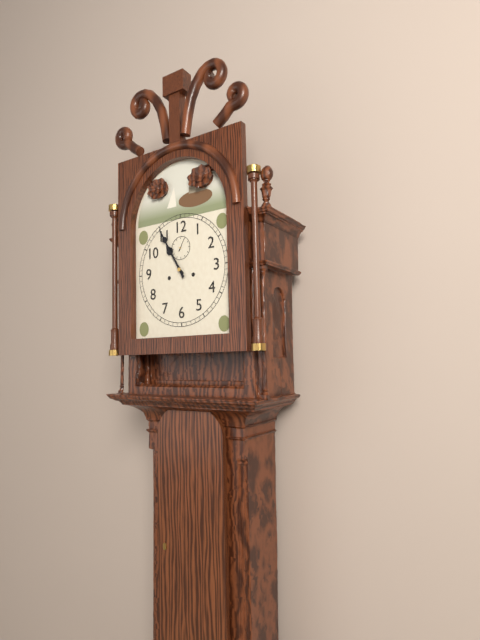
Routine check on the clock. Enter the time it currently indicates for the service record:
10:55
